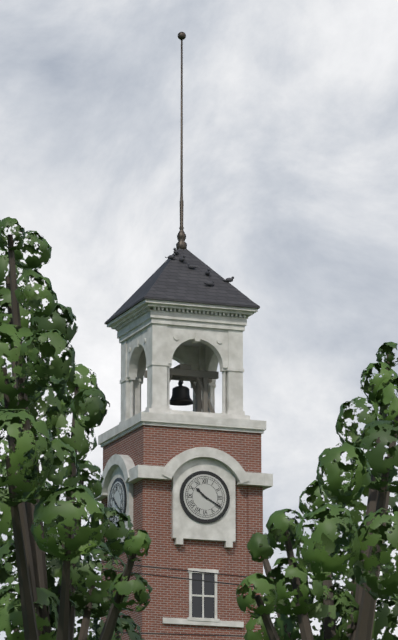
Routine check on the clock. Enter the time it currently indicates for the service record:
10:20
